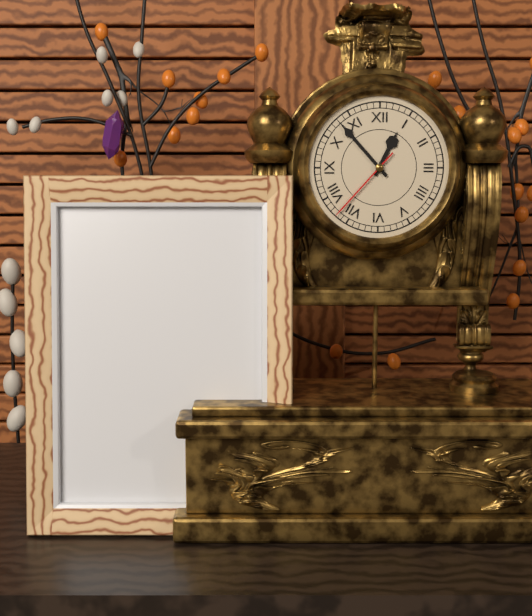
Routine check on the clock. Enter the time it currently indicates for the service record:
12:53:37
